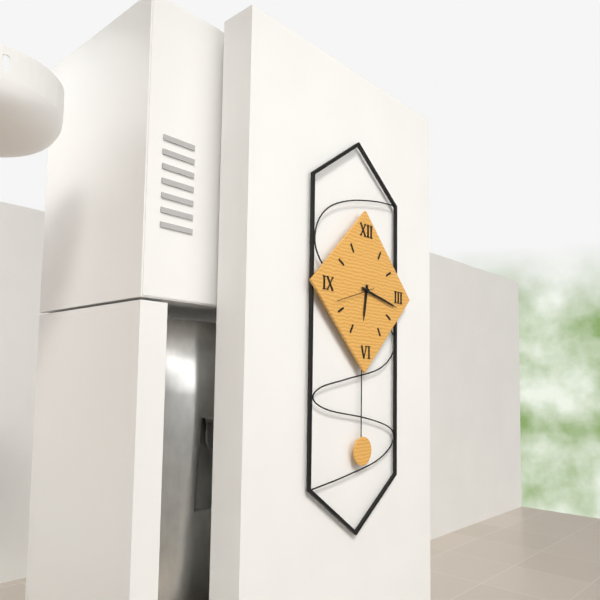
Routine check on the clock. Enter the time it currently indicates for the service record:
6:17
